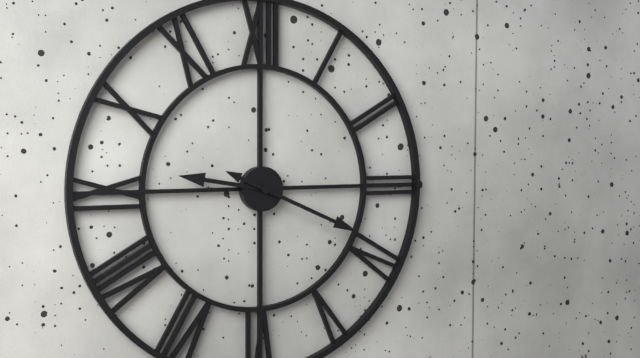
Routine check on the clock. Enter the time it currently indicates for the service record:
9:19
